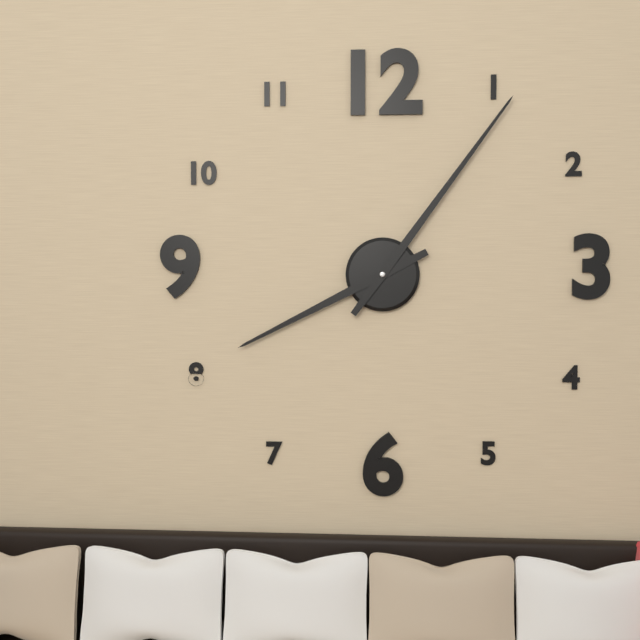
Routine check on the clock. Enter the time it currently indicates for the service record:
8:06
